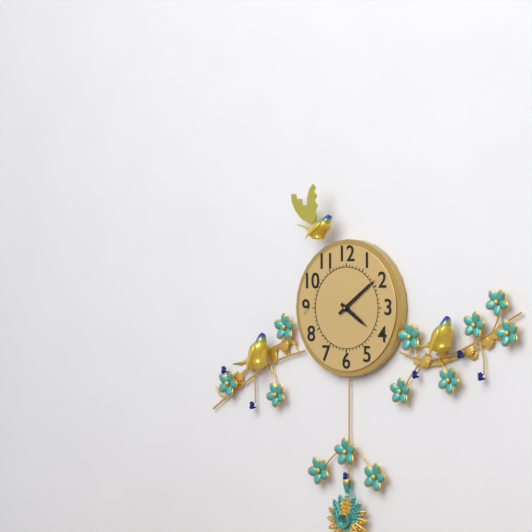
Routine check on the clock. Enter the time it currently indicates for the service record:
4:09
